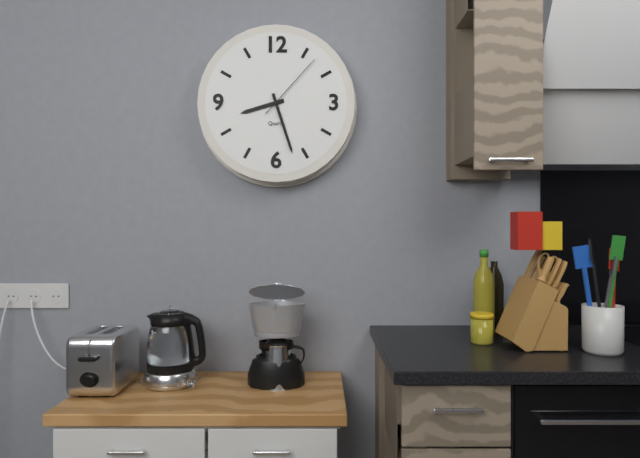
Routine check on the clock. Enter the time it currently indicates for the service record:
8:27:07
